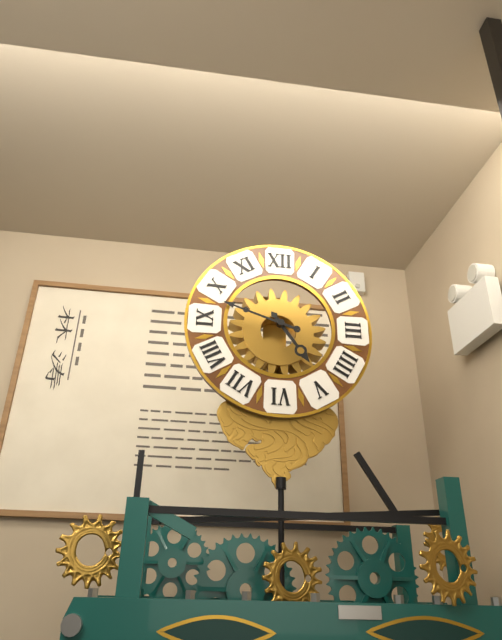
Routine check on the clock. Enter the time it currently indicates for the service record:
4:48
